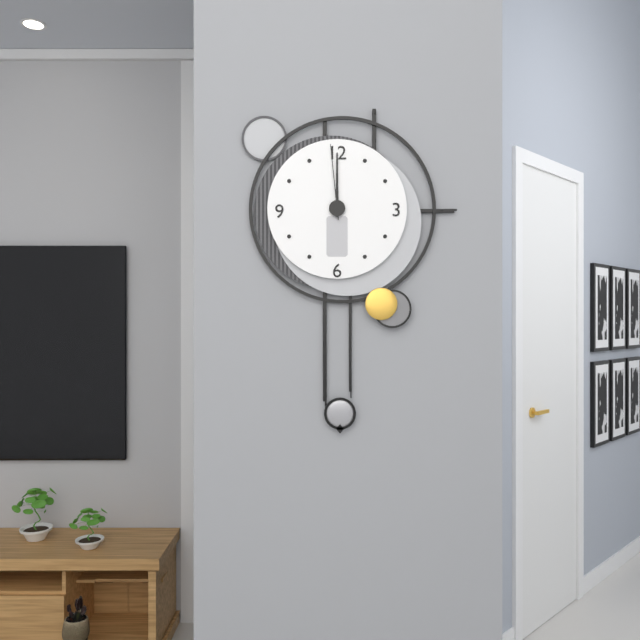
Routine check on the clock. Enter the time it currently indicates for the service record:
12:00:59
